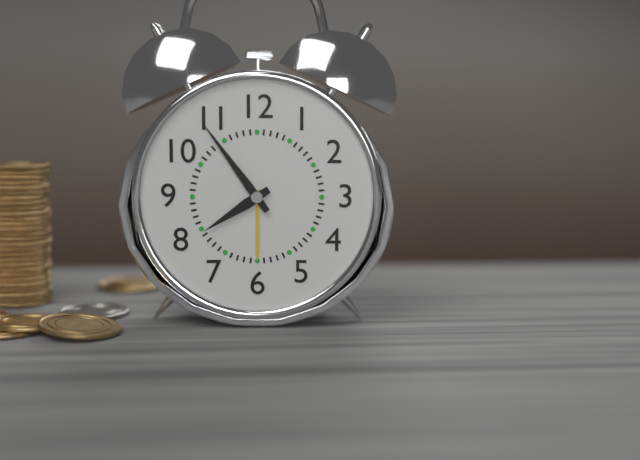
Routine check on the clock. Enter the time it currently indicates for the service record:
7:54
